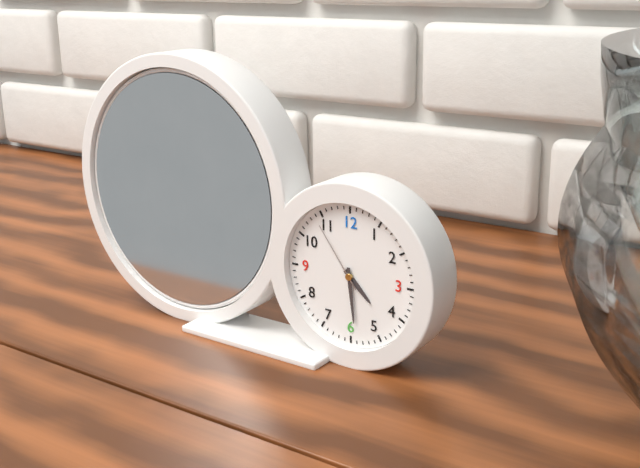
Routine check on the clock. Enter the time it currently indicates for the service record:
4:29:54
